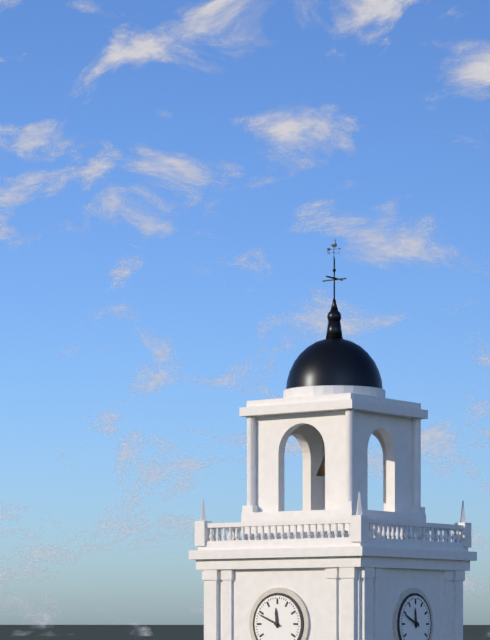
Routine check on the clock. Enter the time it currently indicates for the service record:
11:49
